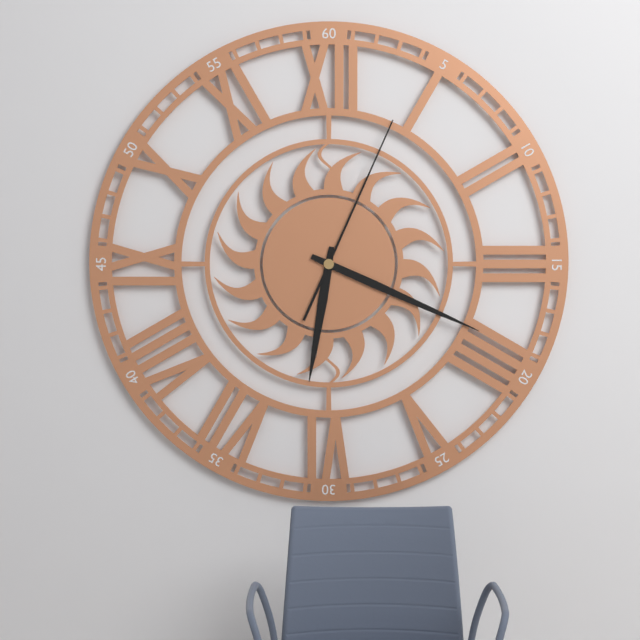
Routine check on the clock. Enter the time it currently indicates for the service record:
6:19:04
